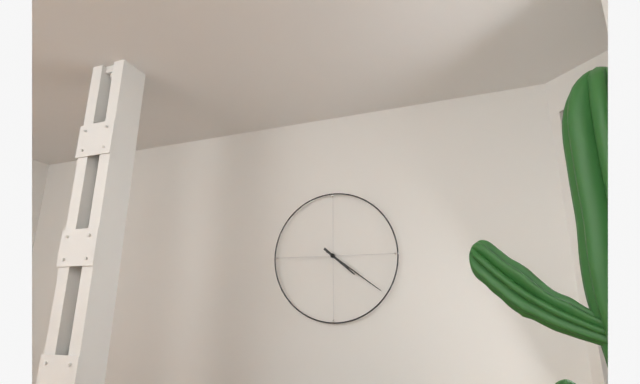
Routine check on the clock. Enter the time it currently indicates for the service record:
4:21
